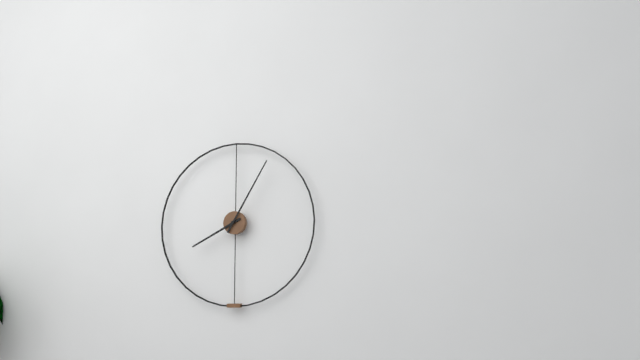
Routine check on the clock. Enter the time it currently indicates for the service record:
8:05
